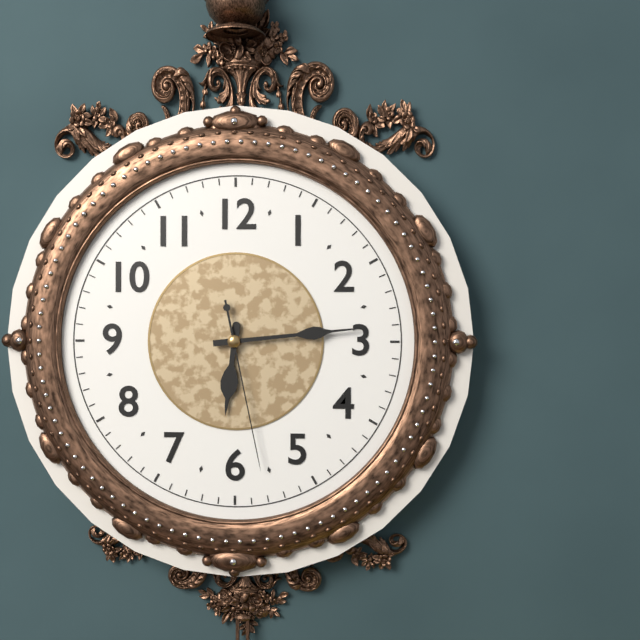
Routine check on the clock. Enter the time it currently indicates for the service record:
6:14:28
